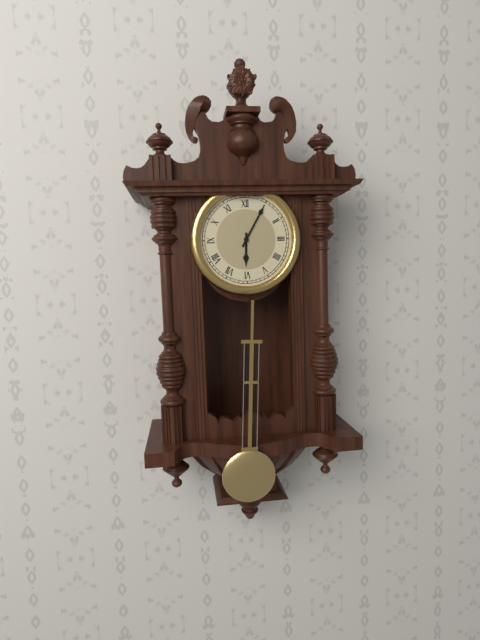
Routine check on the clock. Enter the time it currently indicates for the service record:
6:05
